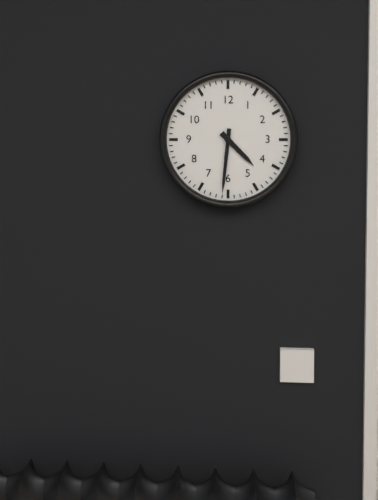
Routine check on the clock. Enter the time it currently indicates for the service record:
4:31
